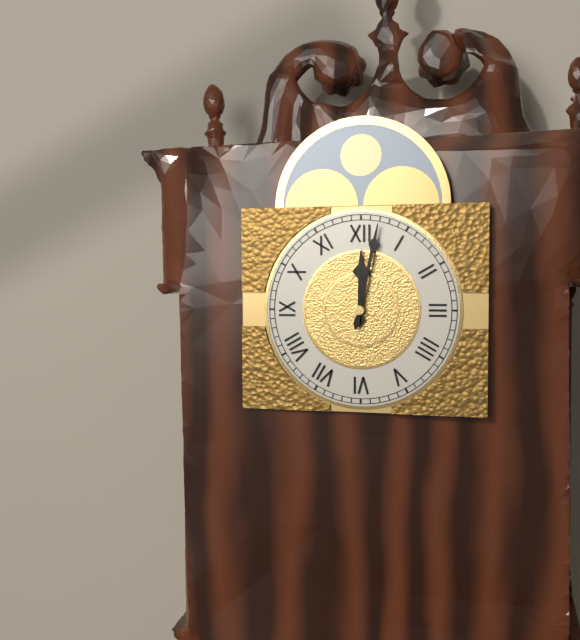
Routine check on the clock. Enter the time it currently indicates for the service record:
12:02
